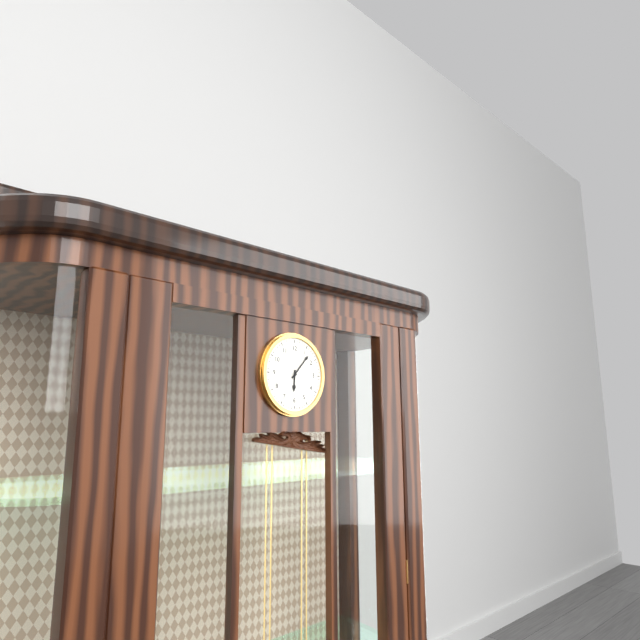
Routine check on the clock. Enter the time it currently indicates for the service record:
6:07
